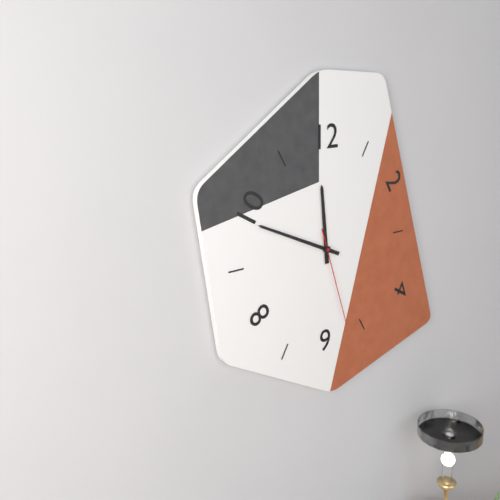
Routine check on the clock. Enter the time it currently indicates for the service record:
11:49:27
